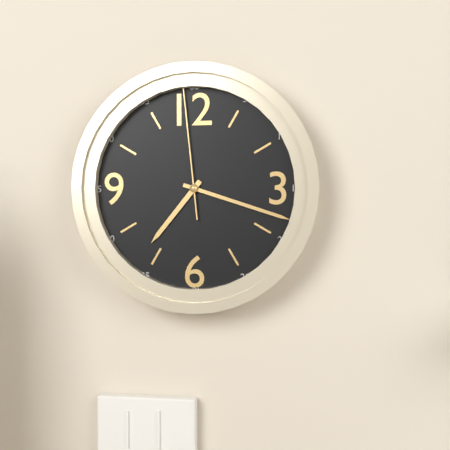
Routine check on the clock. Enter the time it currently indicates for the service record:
7:18:59
